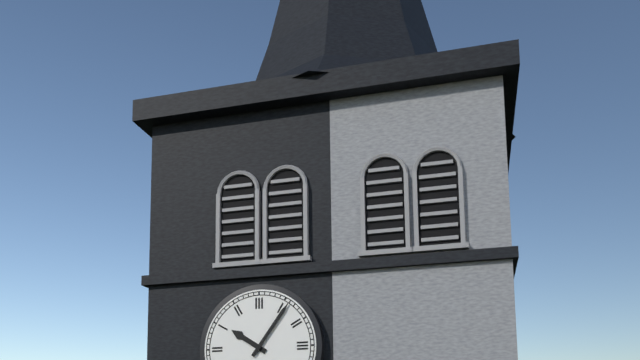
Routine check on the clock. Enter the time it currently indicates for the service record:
10:06
